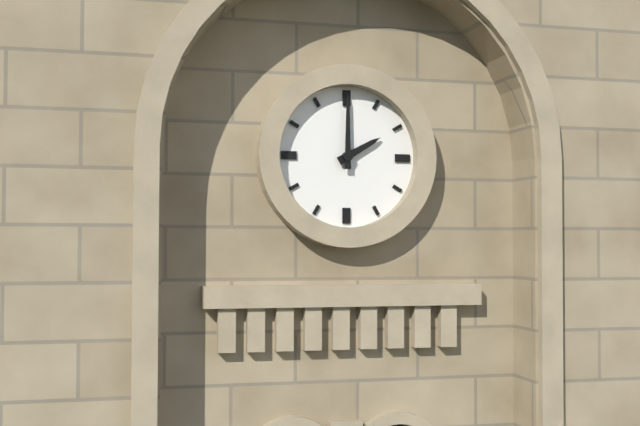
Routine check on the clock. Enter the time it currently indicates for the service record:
2:00
